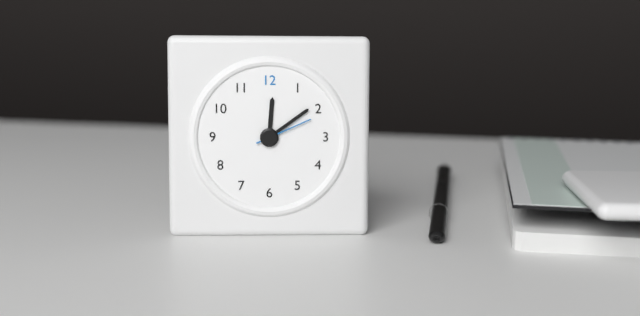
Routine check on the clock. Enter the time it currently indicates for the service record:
12:09:11
